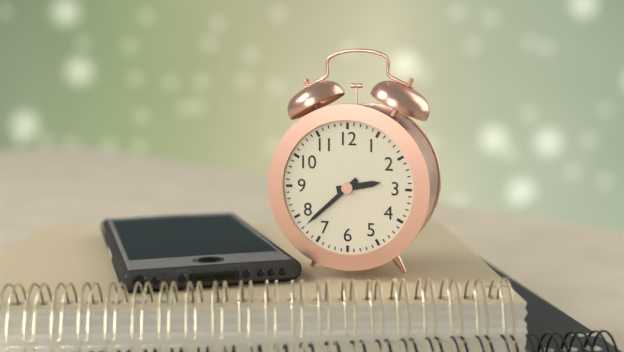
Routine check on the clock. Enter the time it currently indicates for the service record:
2:38
